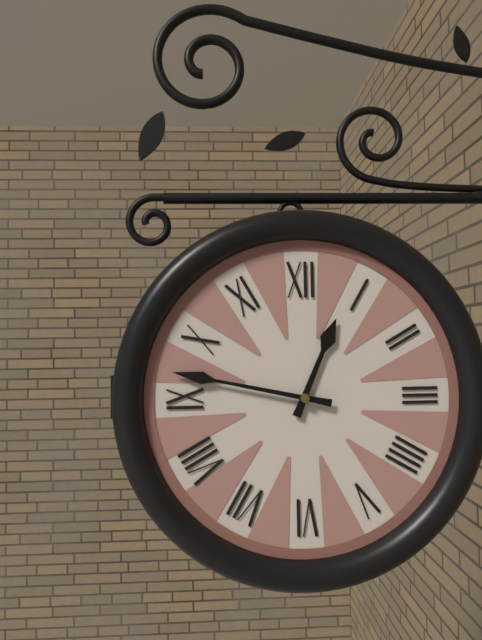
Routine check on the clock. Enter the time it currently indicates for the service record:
12:47
